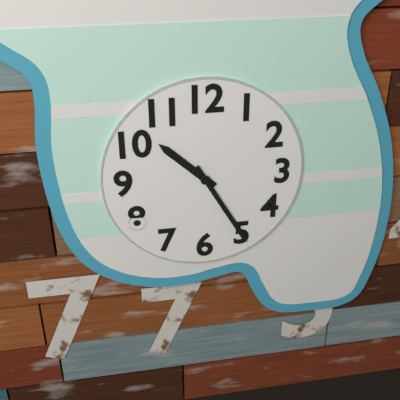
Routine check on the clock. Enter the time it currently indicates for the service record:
10:25
